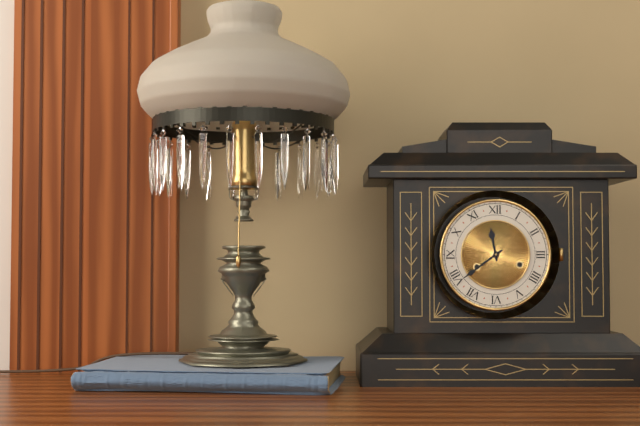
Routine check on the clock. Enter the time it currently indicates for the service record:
11:39
